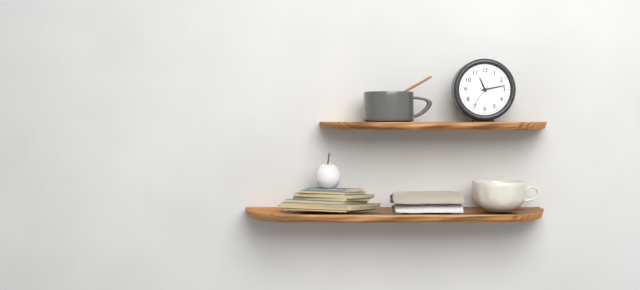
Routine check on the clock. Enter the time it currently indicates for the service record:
11:13
